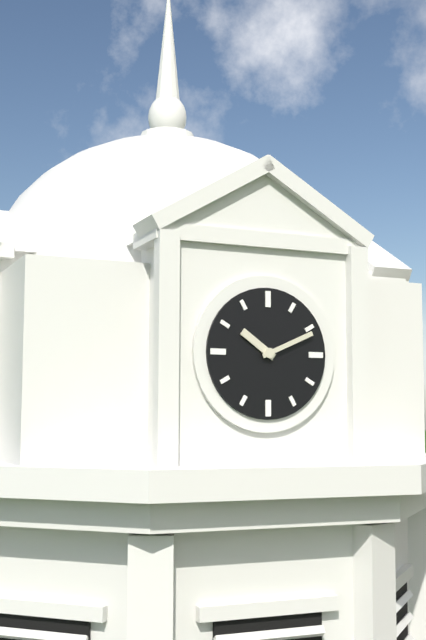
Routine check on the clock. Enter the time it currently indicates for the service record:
10:11
